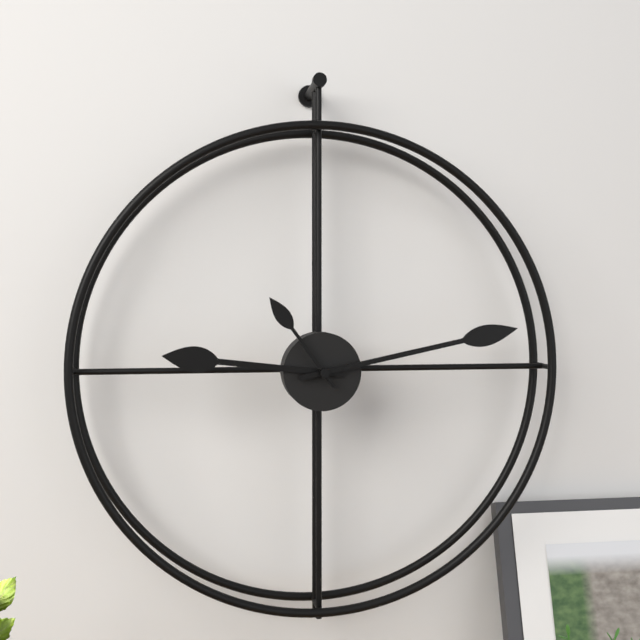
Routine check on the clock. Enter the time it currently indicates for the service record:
9:13:54
